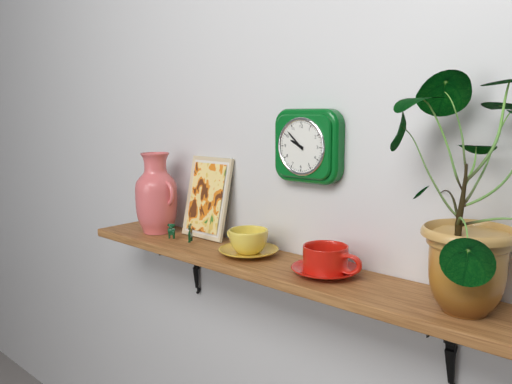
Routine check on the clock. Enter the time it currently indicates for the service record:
9:52
